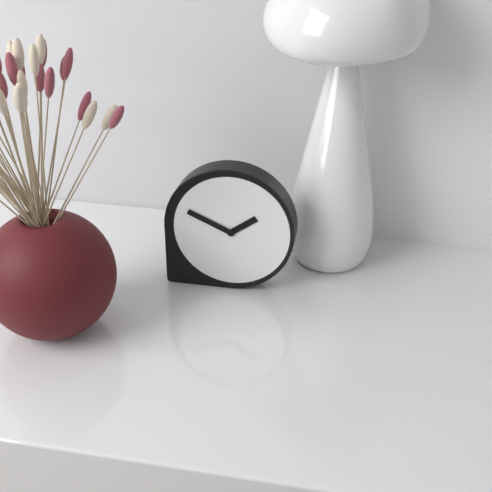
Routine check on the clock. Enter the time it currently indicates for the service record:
1:49
